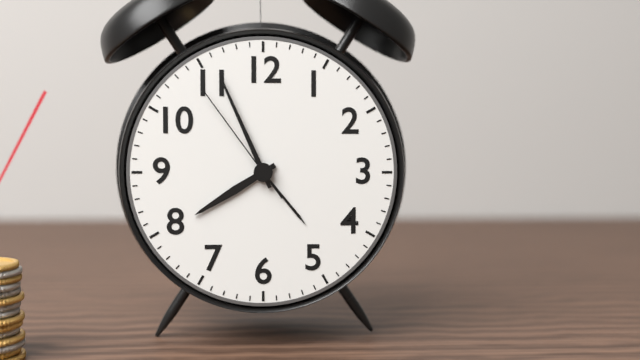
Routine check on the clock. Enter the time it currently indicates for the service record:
7:56:54
